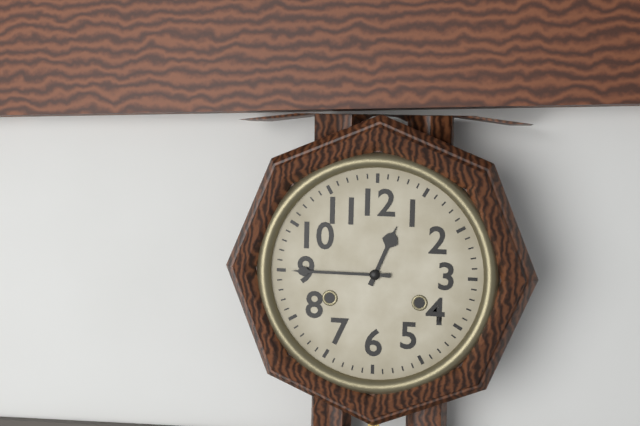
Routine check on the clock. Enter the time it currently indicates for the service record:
12:45
